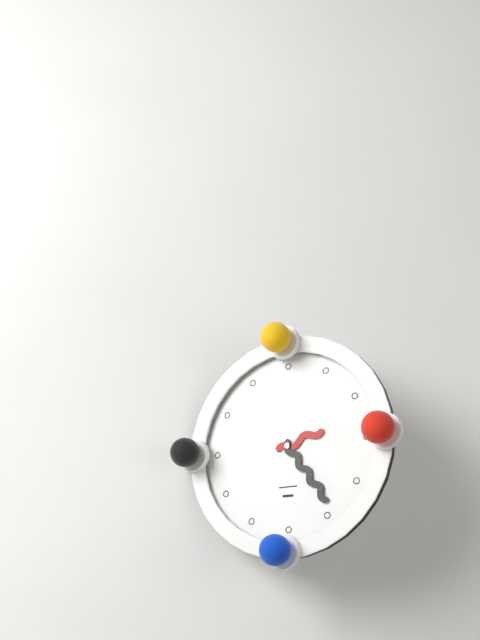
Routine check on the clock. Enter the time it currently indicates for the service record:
2:24
